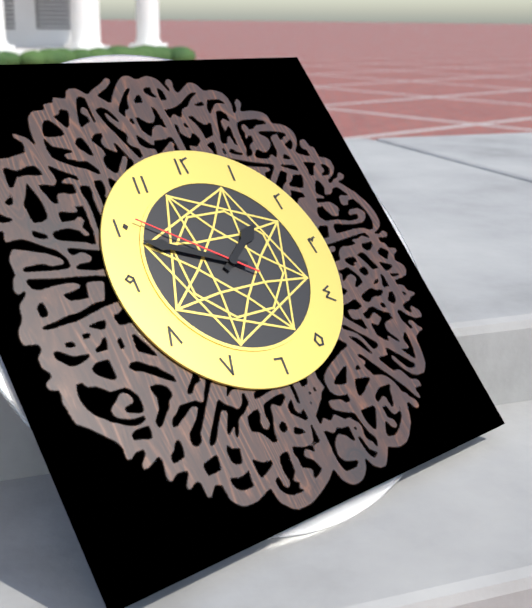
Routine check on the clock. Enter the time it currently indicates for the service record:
1:49:51
